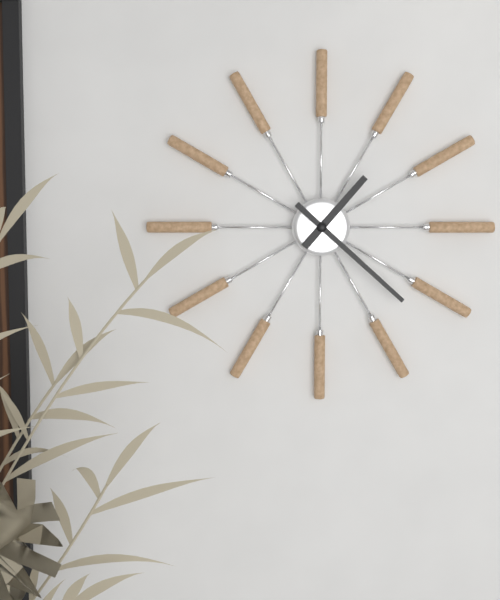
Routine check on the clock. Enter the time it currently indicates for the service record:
1:22
